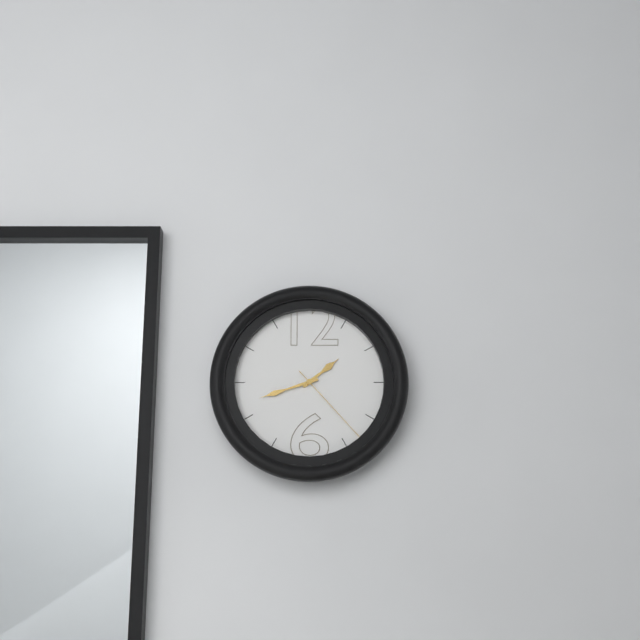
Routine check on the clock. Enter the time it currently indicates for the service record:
1:42:23
